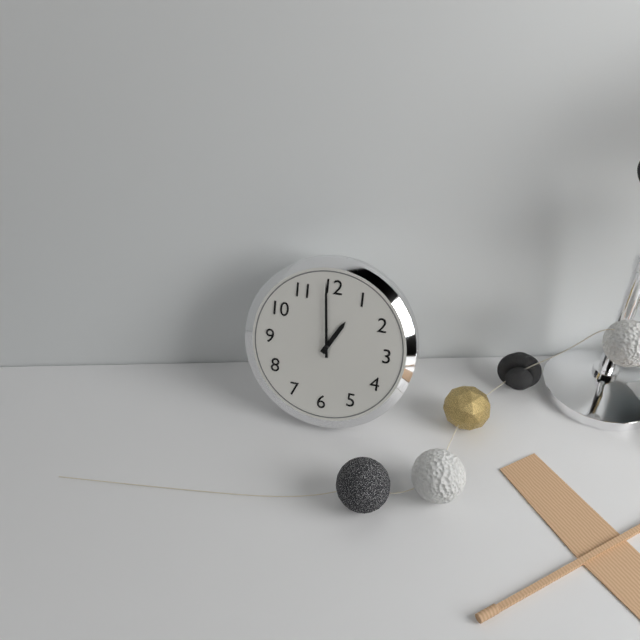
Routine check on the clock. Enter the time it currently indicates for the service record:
12:59
